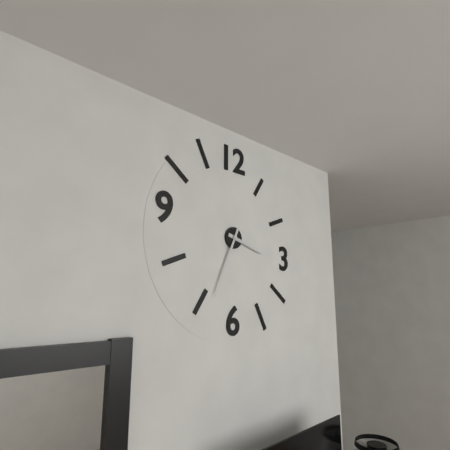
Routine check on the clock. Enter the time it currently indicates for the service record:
3:34
